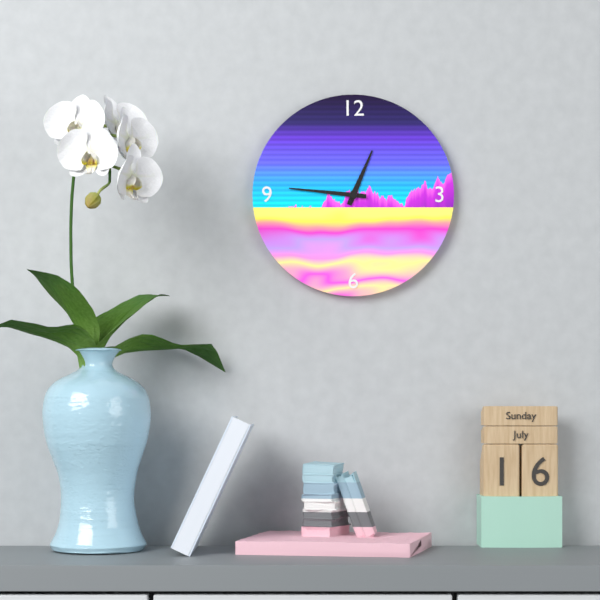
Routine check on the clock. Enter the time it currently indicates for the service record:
12:46
